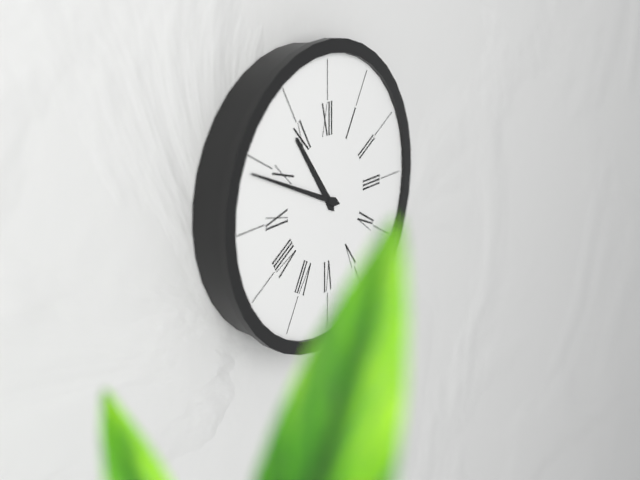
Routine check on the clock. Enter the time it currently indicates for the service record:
10:49
